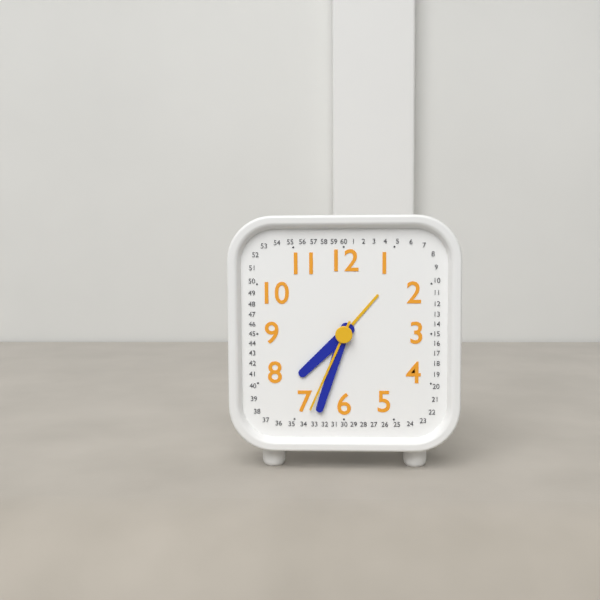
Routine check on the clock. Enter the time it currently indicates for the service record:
7:33:34
